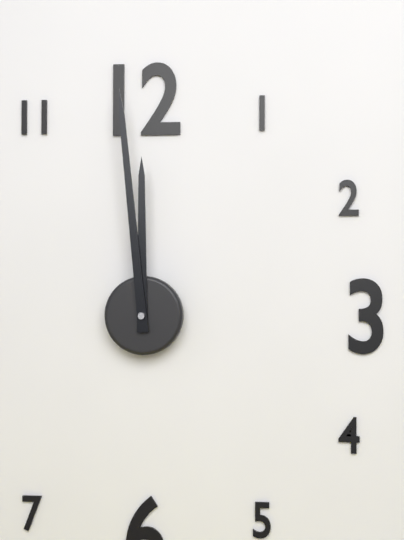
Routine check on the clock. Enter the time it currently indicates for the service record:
11:59
